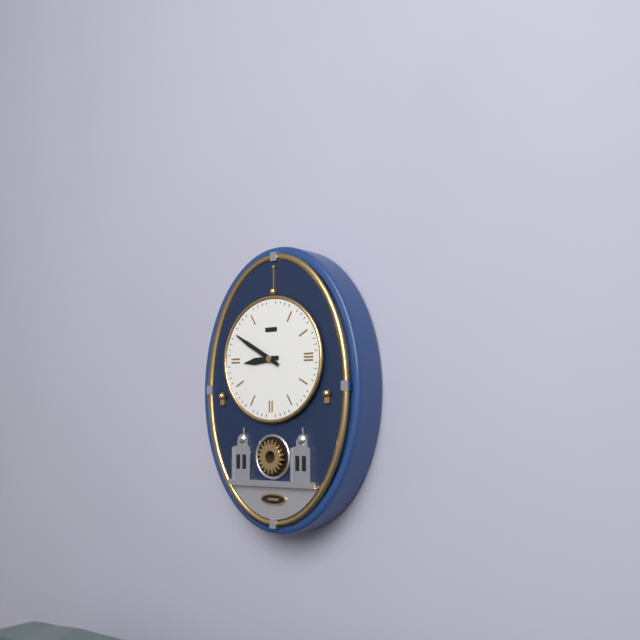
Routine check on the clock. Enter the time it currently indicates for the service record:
8:50
